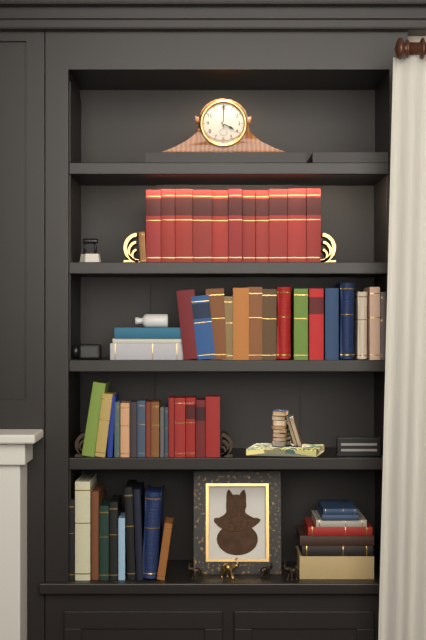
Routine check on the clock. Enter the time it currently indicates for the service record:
4:00
